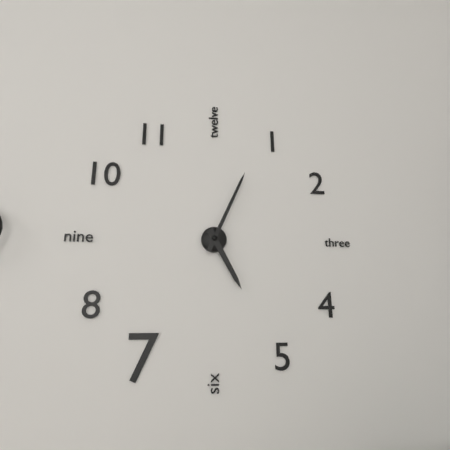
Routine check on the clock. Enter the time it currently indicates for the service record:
5:04
